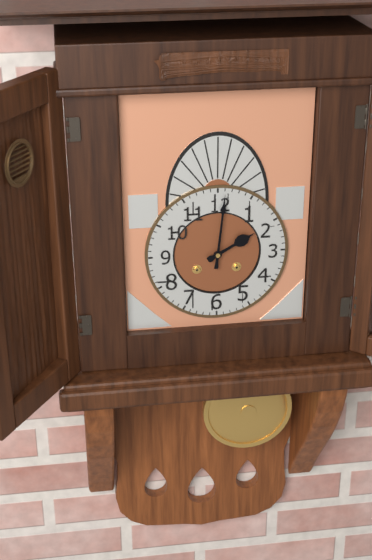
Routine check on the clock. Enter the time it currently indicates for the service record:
2:01
